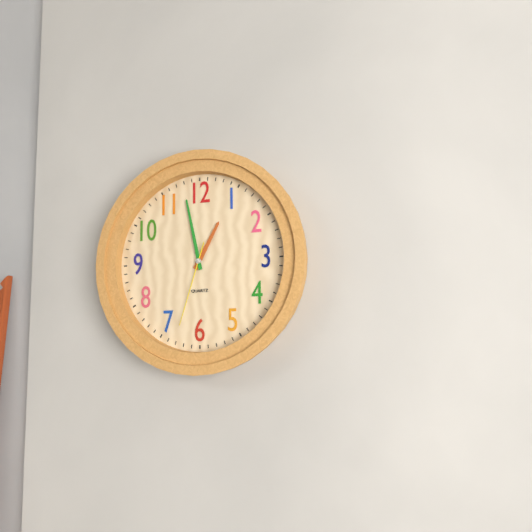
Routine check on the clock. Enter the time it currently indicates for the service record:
12:58:33
